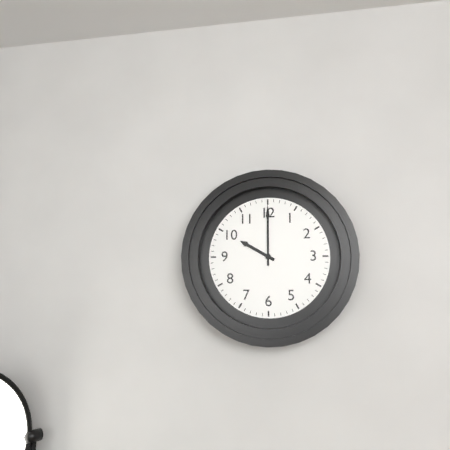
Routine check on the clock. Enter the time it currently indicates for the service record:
10:00
